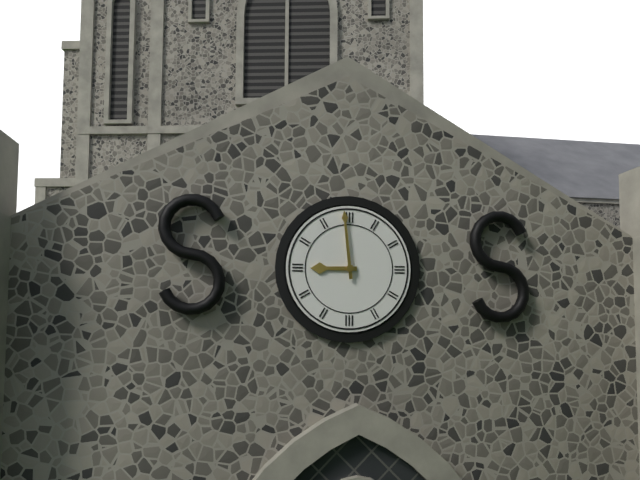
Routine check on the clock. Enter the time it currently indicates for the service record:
8:59
